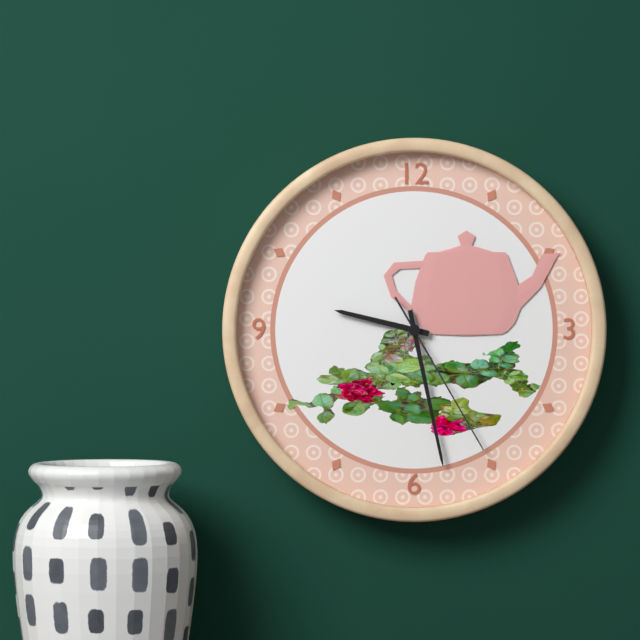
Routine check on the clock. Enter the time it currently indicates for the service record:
9:28:25
